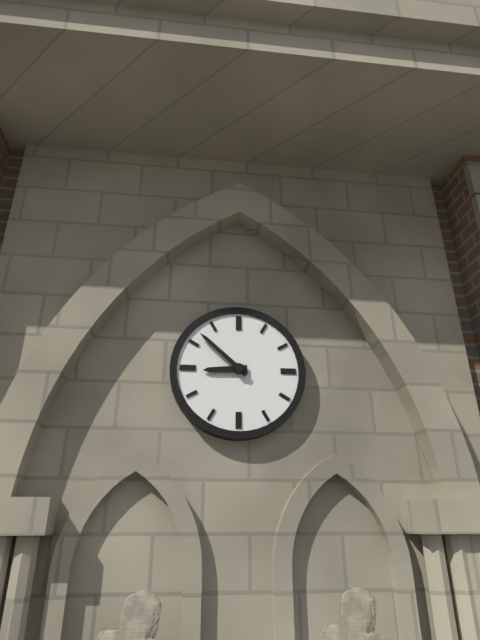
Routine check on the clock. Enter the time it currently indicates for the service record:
8:52
